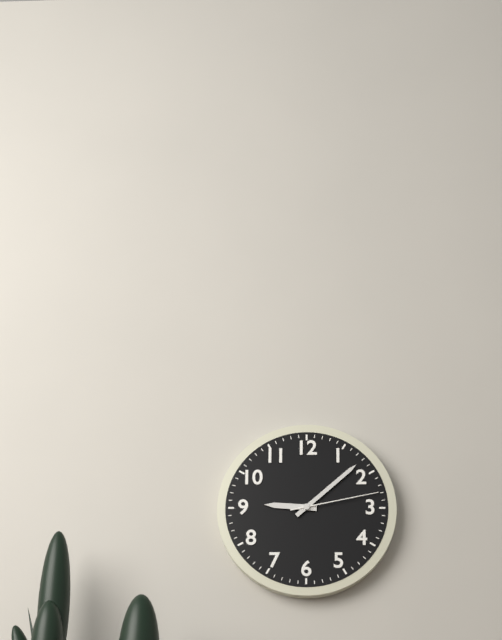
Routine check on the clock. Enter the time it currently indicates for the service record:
9:08:13
